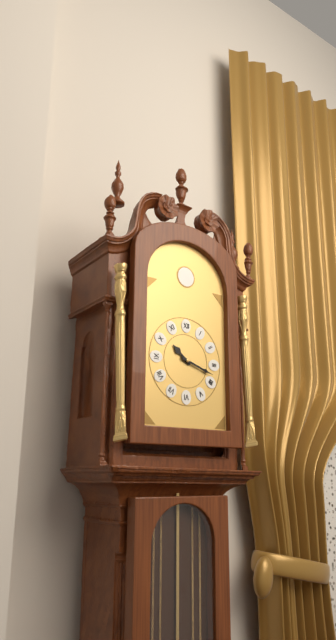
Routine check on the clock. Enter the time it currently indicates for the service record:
10:18
